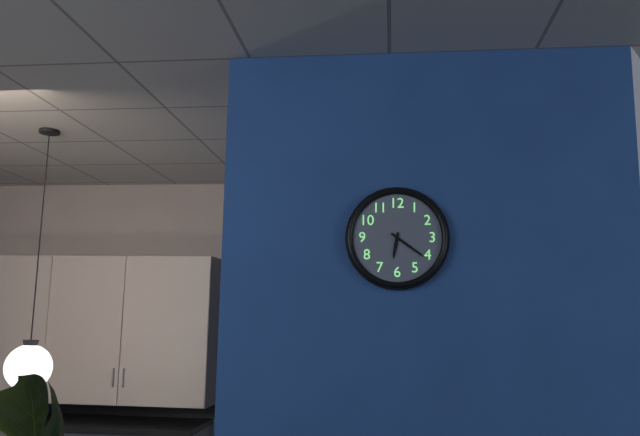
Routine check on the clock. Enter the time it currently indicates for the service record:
6:21
